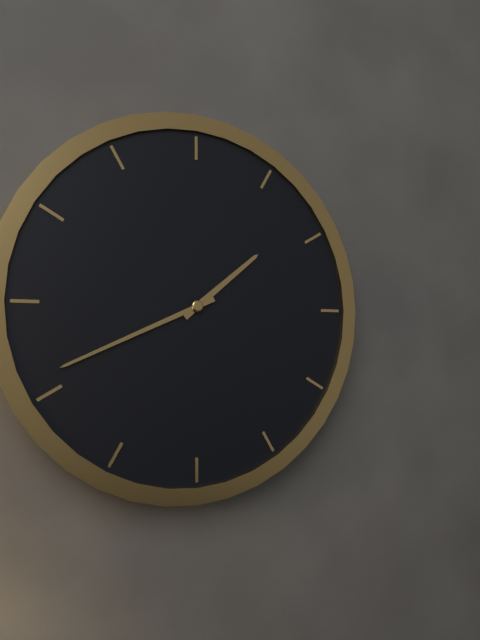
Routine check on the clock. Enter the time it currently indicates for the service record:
1:41
